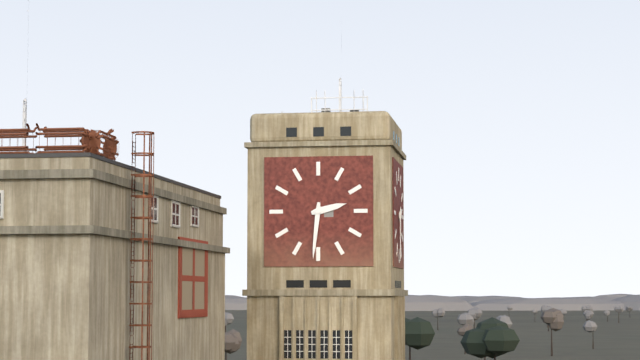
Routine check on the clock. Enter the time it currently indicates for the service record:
2:31
